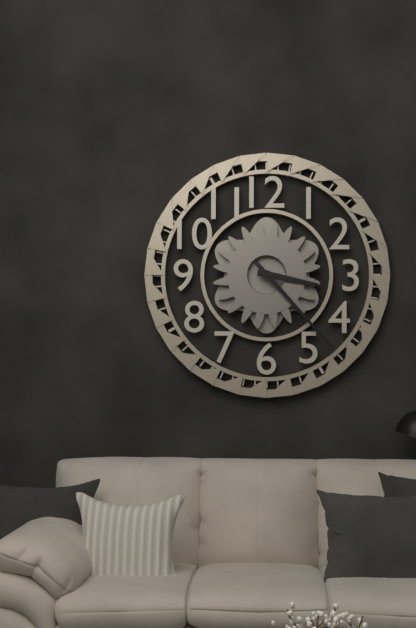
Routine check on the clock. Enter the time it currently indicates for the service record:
3:23
